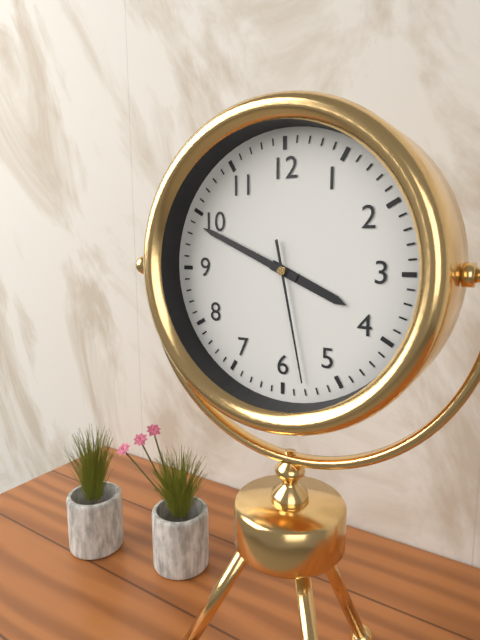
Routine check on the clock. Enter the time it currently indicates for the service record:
3:49:28
